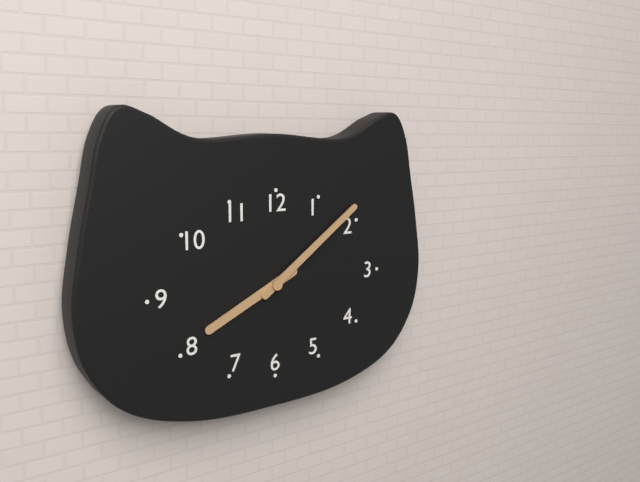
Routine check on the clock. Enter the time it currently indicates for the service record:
8:09
